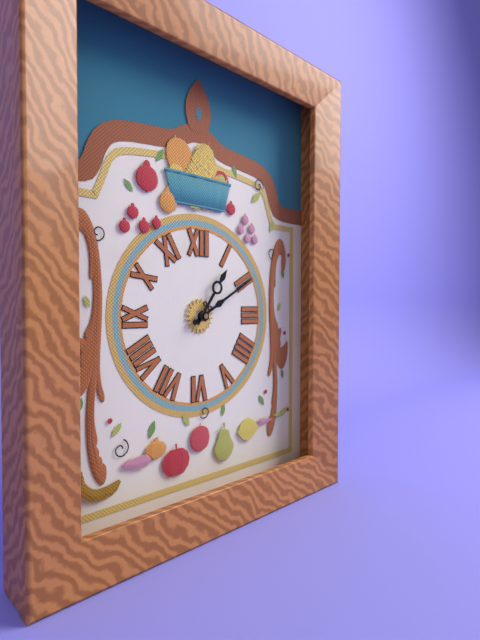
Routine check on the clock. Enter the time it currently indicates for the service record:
1:10
